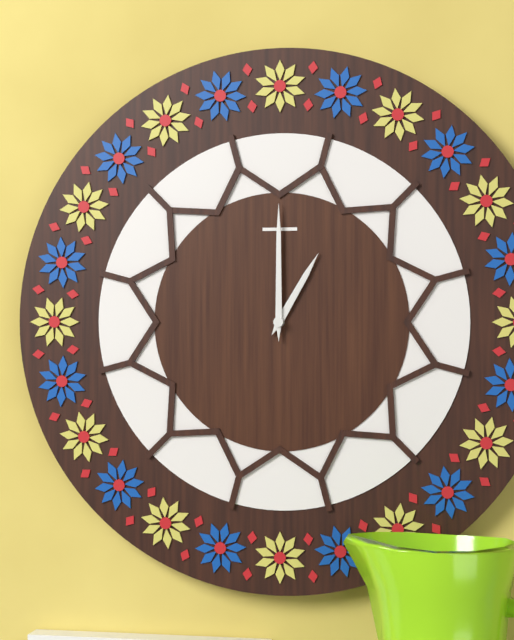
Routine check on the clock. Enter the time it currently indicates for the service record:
1:00
